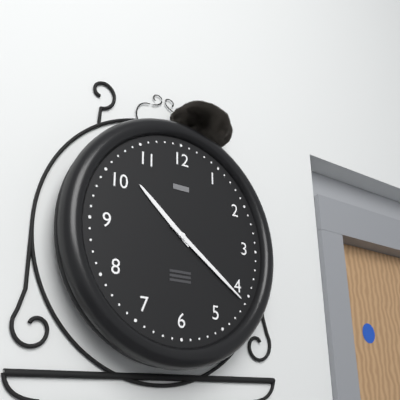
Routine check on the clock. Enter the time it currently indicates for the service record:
10:21
